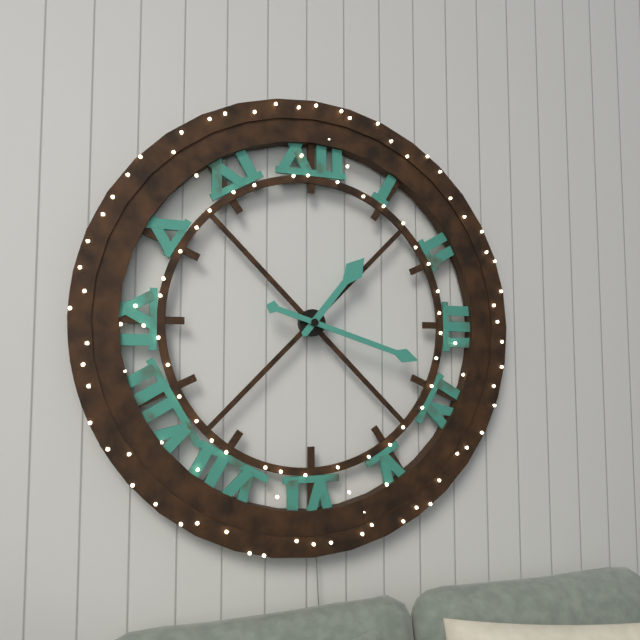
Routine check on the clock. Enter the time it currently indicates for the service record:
1:18
